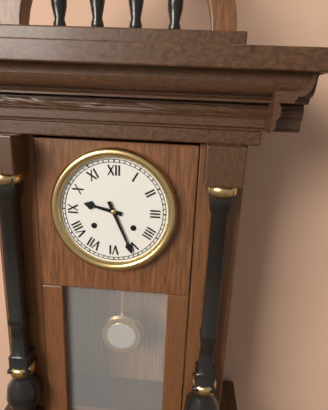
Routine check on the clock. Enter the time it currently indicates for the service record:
9:26
